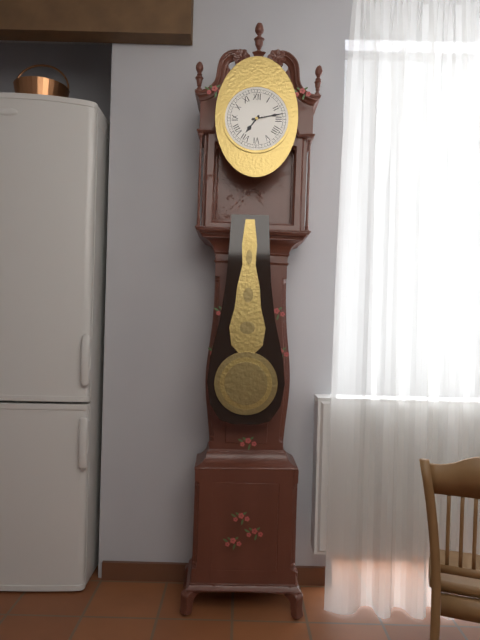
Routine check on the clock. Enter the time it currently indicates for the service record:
7:13
